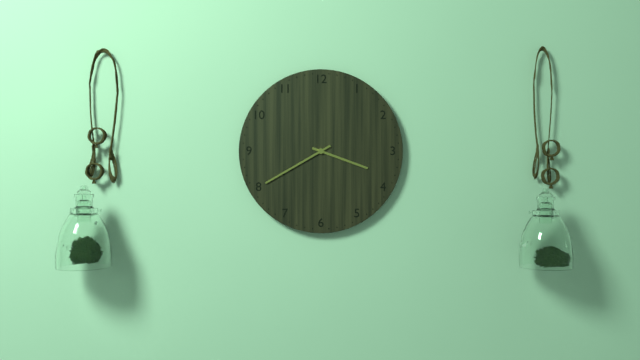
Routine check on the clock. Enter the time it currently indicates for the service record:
3:40
